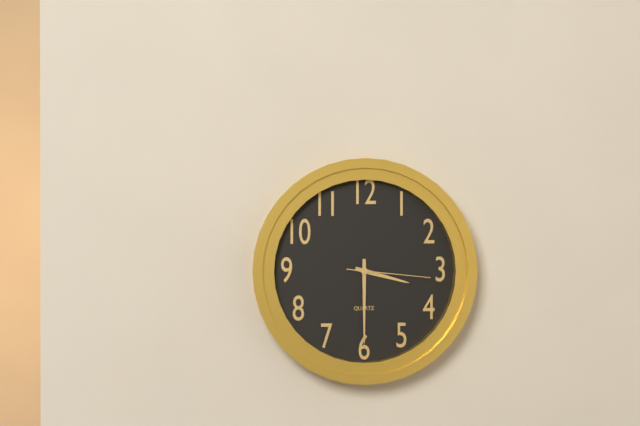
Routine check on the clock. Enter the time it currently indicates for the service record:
3:30:16
